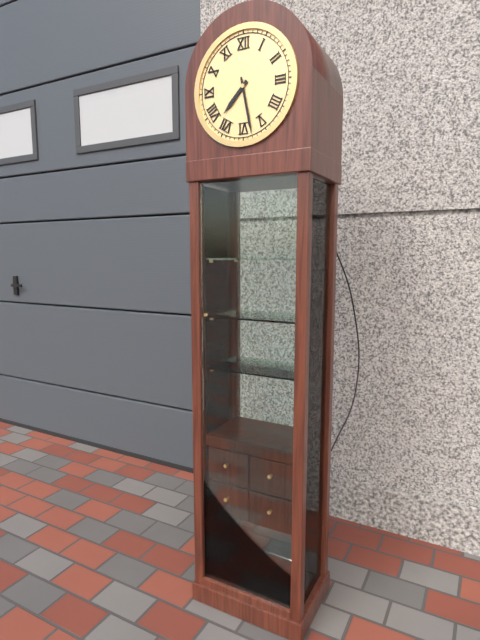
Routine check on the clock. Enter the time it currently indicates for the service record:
7:28
